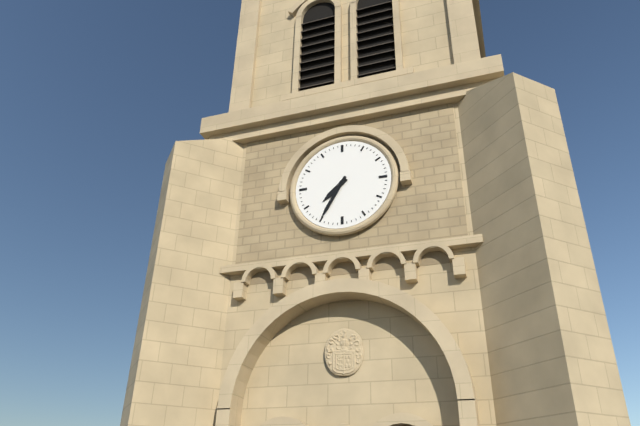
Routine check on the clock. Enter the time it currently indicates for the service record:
7:35
